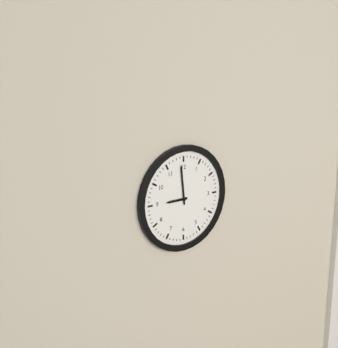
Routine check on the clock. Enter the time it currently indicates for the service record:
8:59
